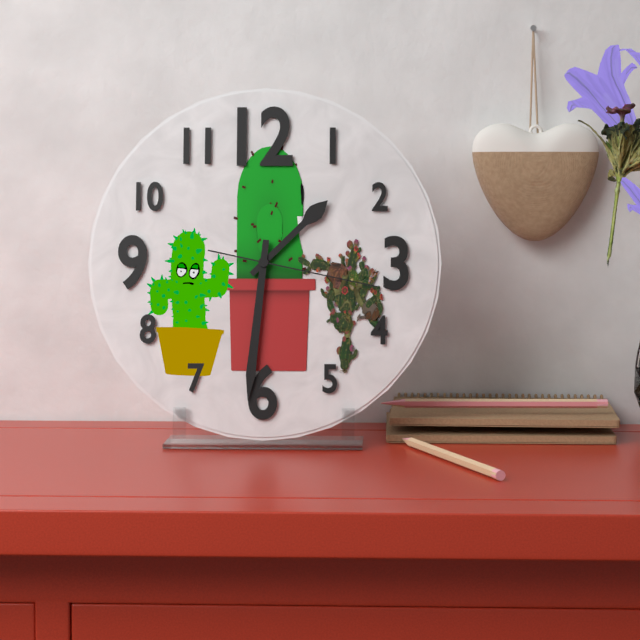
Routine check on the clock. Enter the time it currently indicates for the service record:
1:31:17
